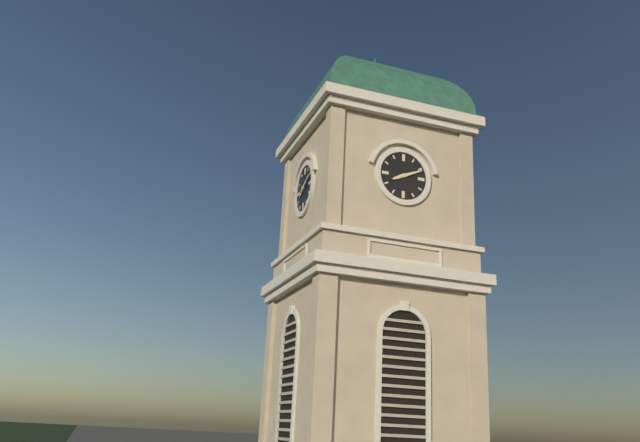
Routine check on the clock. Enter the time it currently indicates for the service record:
8:11
